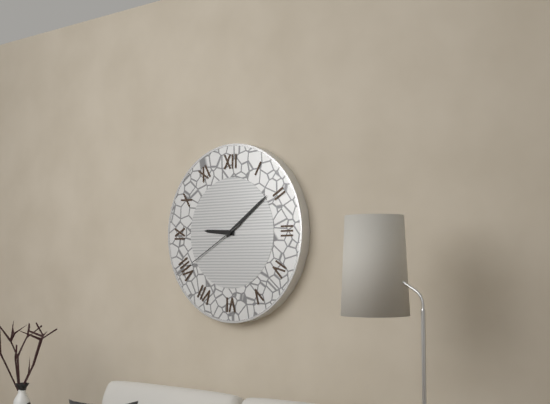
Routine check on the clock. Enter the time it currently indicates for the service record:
9:09:40
